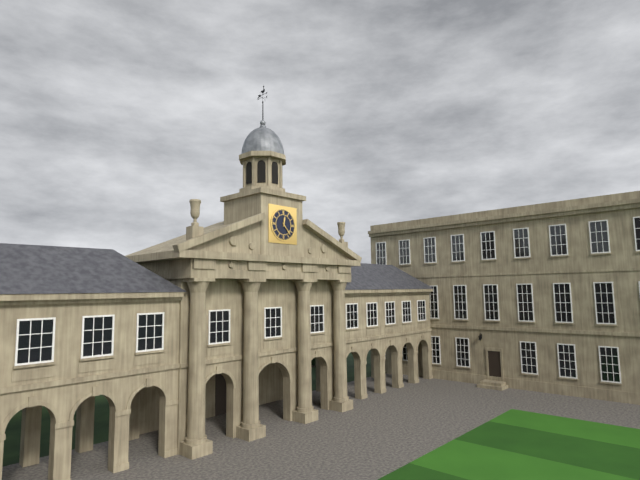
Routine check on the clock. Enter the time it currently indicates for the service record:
12:23
